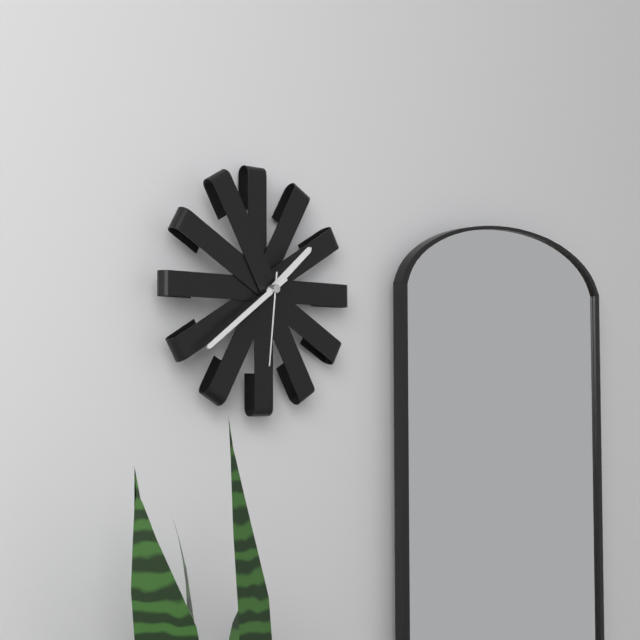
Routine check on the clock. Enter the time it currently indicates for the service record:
1:39:31
